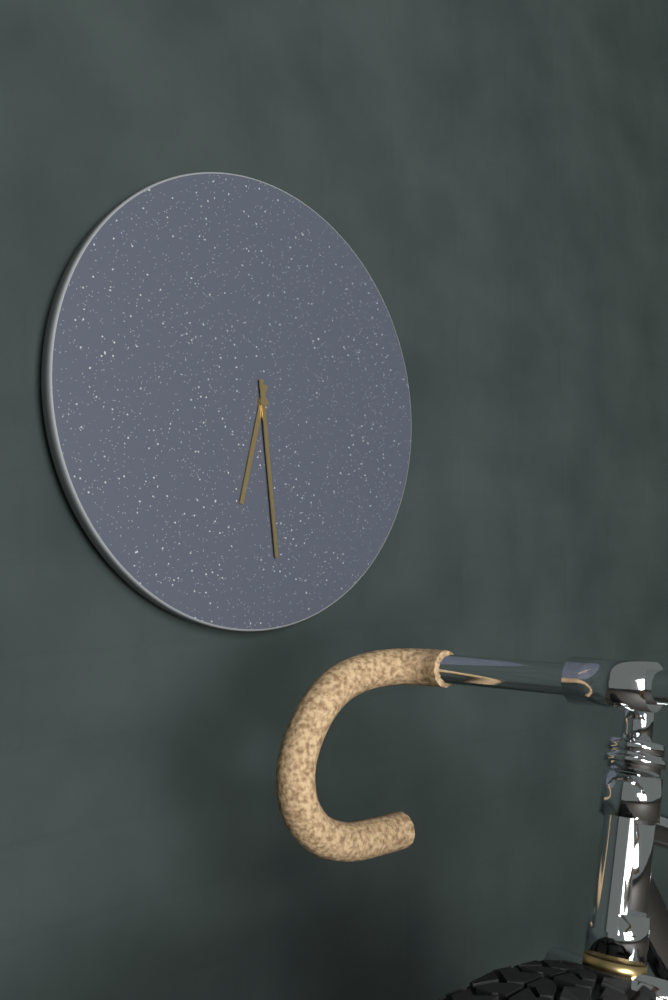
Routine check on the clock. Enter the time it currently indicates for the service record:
6:29
